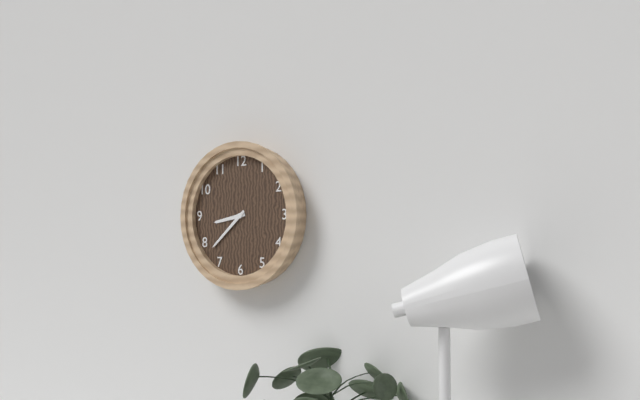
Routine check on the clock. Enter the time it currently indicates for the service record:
8:38
